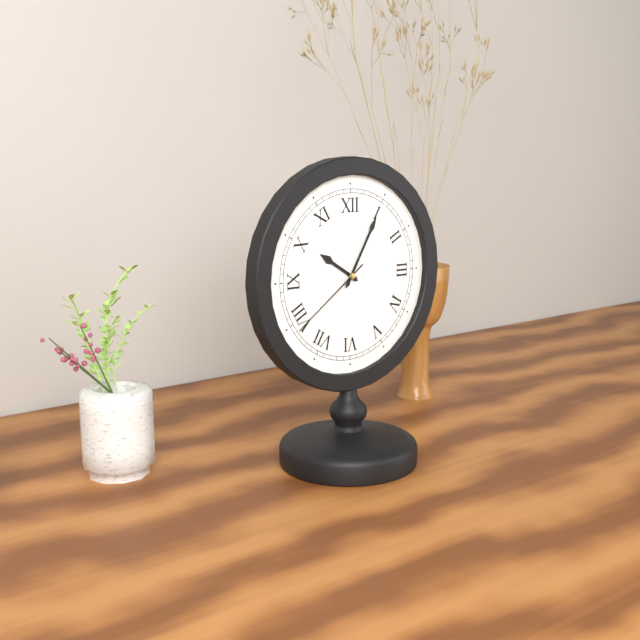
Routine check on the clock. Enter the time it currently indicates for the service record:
10:05:39
